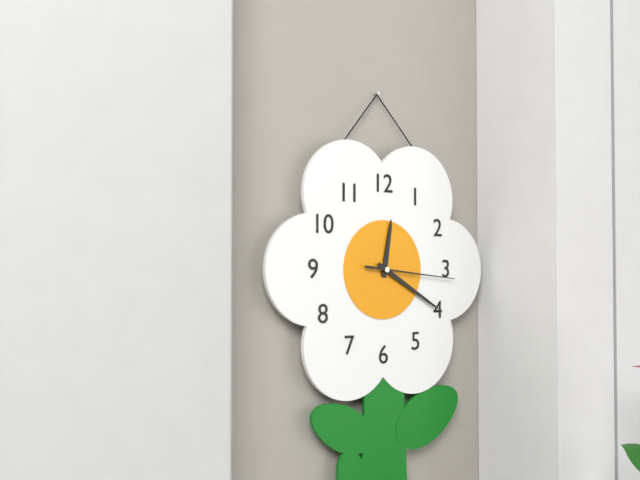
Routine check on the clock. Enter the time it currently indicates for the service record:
12:20:16
